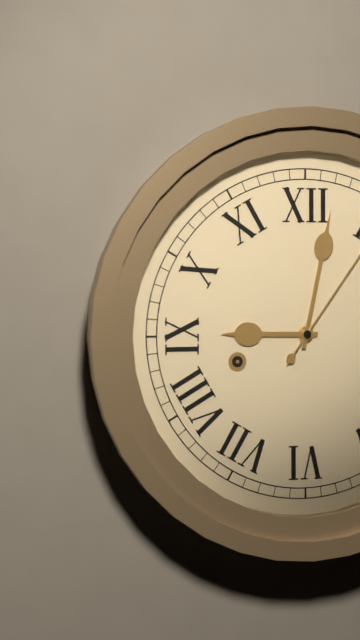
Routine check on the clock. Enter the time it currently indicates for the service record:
9:02
